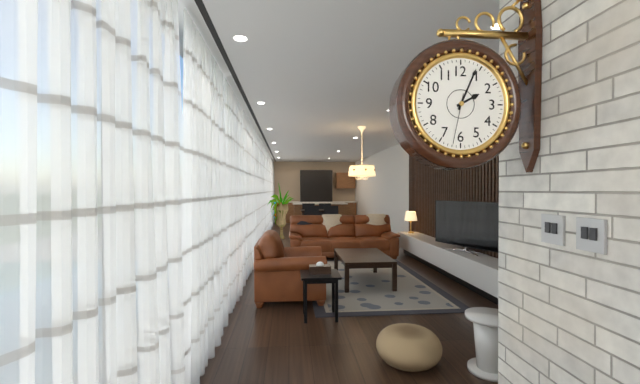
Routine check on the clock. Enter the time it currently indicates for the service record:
2:04:32
